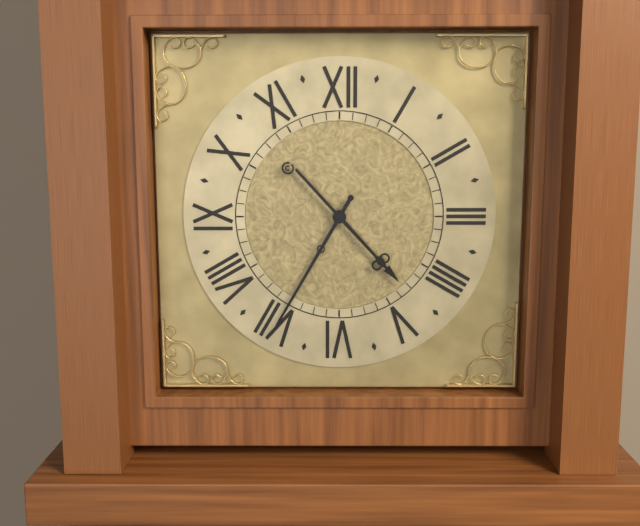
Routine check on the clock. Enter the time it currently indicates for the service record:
4:35
